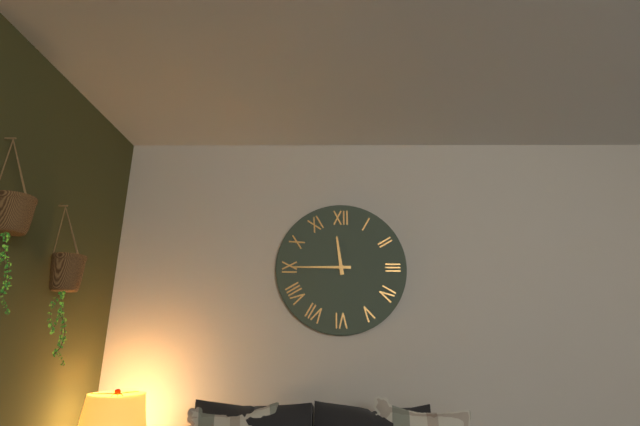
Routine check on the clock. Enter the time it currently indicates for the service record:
11:45
